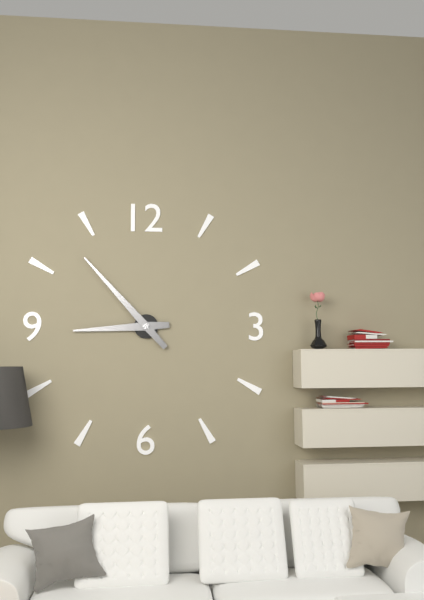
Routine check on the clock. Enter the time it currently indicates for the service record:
8:53
